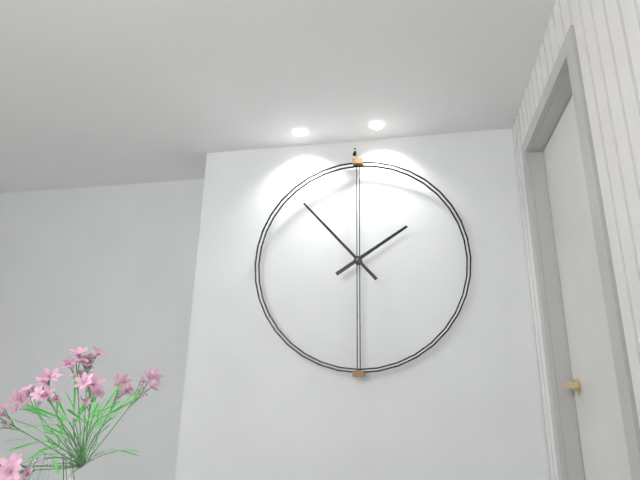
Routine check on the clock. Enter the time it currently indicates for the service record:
1:53
